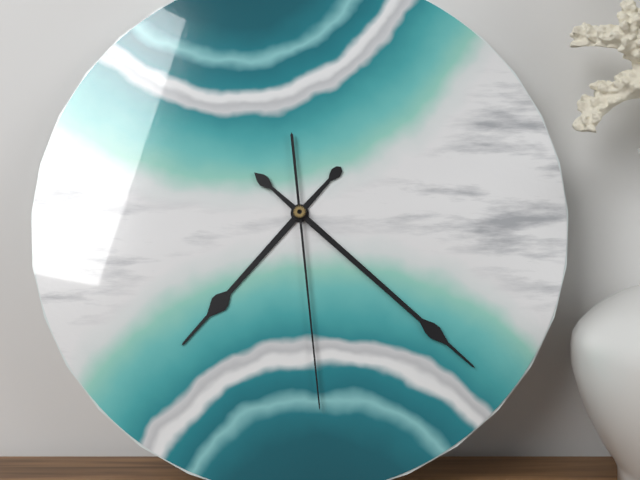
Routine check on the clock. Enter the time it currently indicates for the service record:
7:22:29
